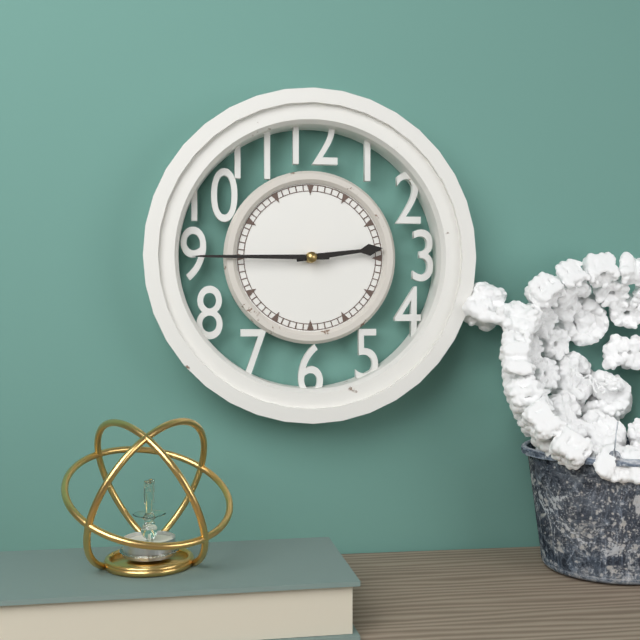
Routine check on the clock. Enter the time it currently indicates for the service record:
2:45
